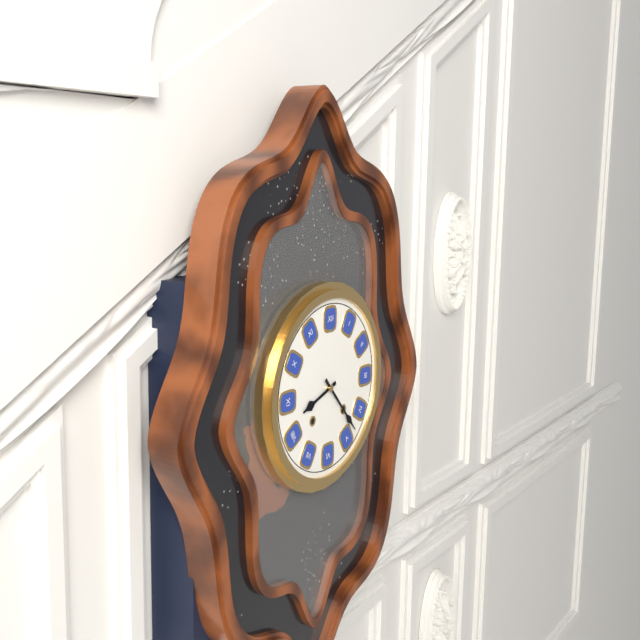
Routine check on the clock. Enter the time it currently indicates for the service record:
8:23
